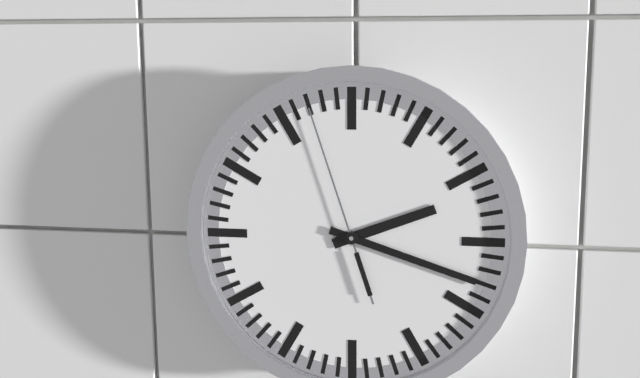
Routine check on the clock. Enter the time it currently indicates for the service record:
2:18:57
